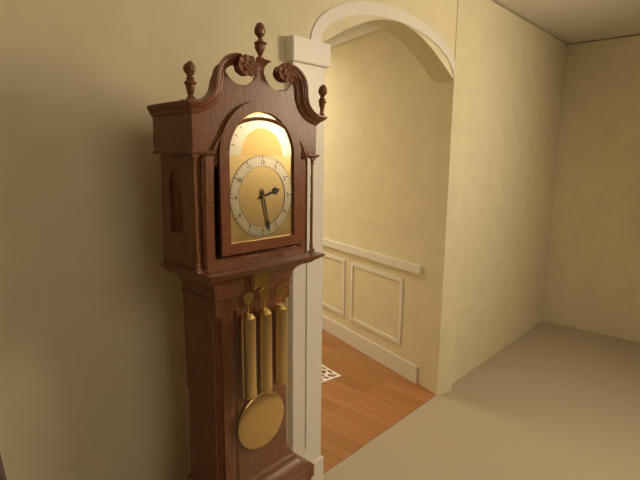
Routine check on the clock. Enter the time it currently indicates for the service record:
2:28
